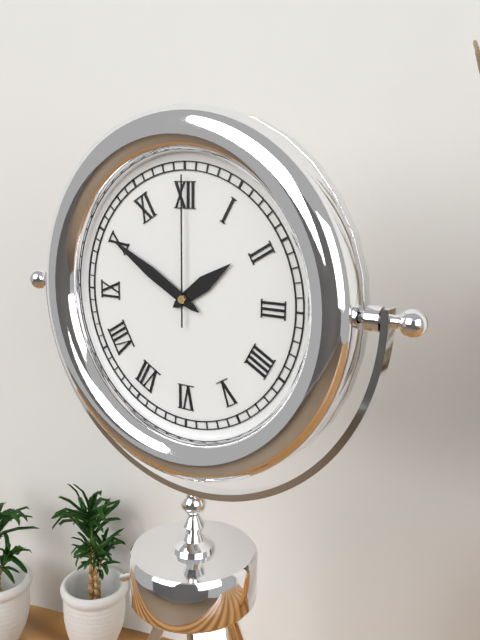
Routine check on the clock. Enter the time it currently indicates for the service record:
1:50:00
